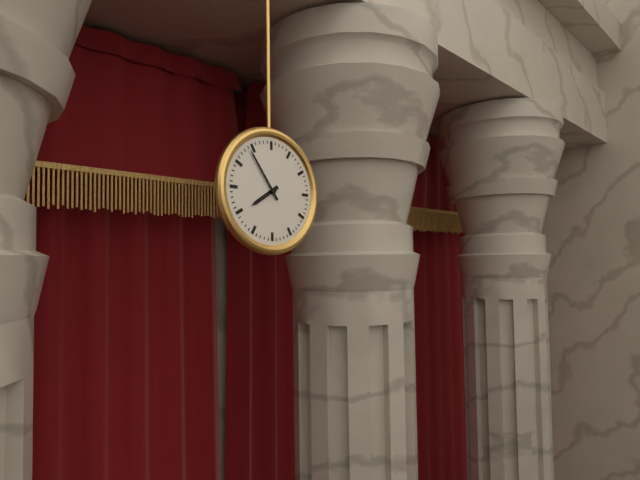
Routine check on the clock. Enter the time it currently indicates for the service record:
7:54
